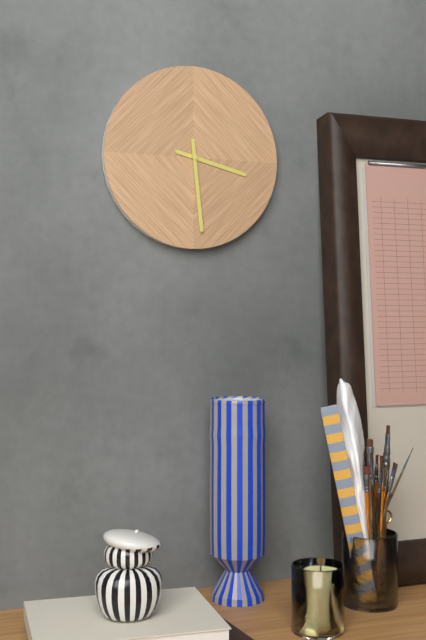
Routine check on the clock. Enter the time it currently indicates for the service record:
3:29
